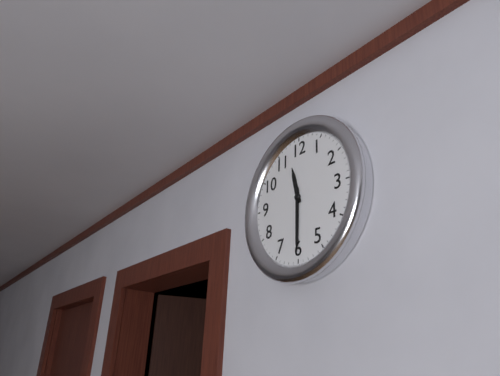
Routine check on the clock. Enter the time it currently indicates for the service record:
11:30
